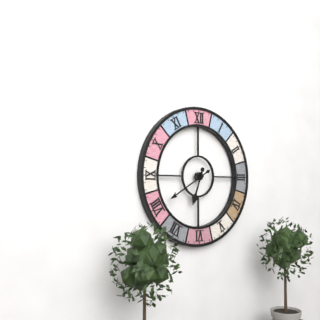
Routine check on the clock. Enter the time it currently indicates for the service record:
6:40
